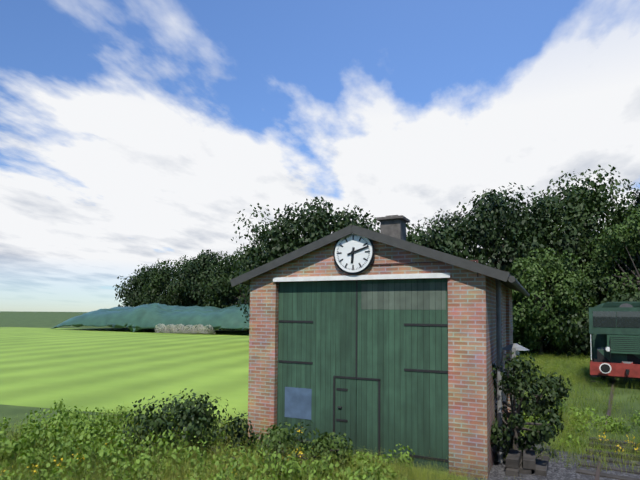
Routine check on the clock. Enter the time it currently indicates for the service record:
6:12
